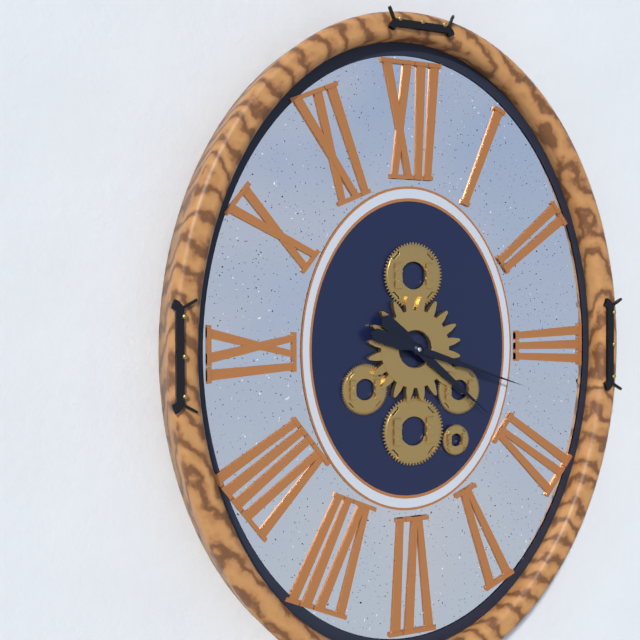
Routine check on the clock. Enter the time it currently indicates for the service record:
4:18
